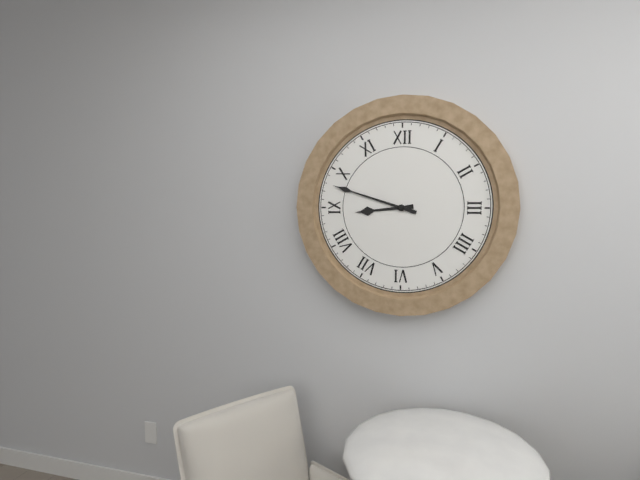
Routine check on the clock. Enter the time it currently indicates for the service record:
8:48
